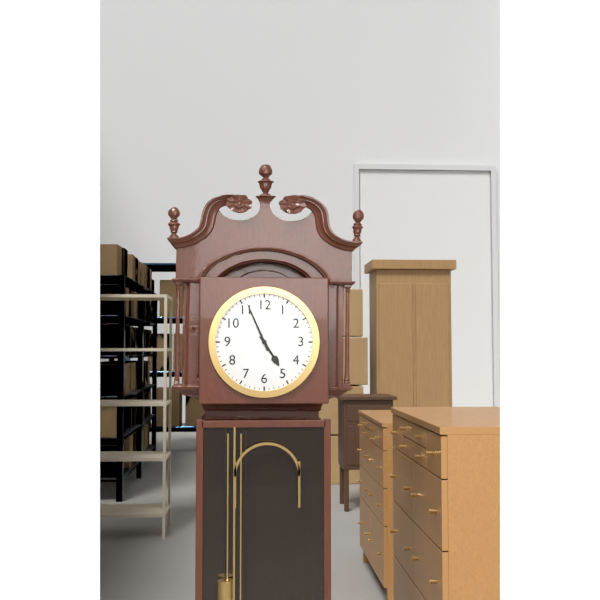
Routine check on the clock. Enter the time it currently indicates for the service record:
4:56
